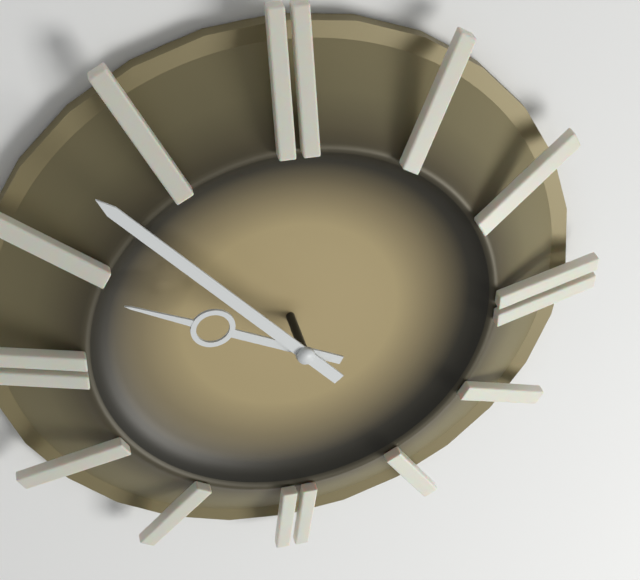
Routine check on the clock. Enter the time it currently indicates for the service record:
9:53
